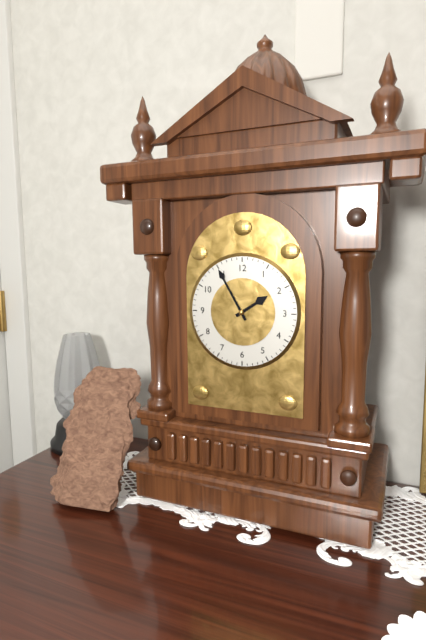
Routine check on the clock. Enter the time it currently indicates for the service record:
1:55
